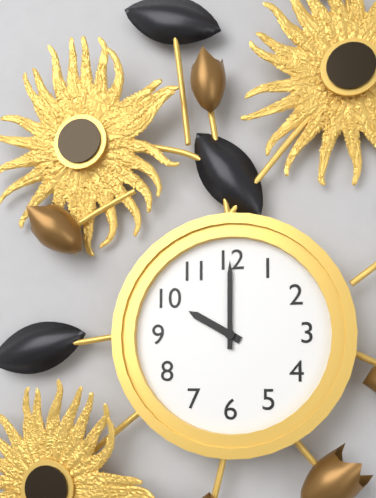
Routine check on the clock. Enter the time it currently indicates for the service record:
10:00
